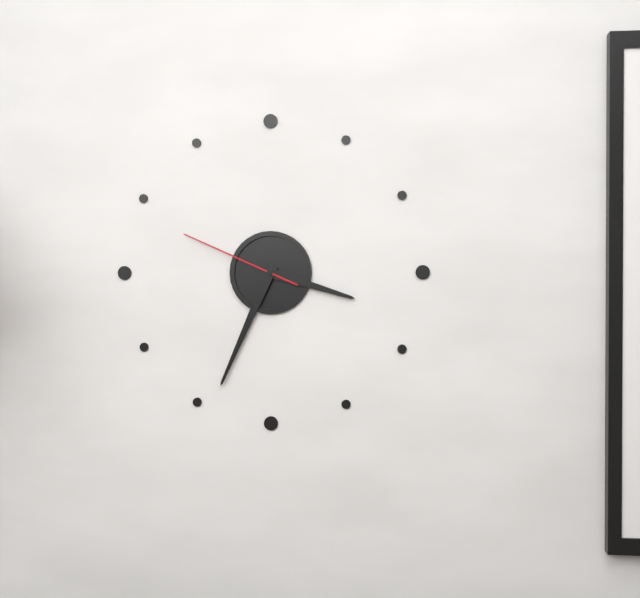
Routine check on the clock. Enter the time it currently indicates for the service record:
3:34:49
